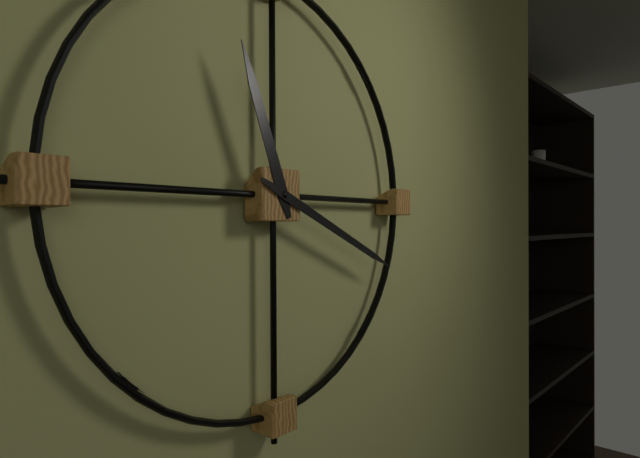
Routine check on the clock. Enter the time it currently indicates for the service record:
11:19
